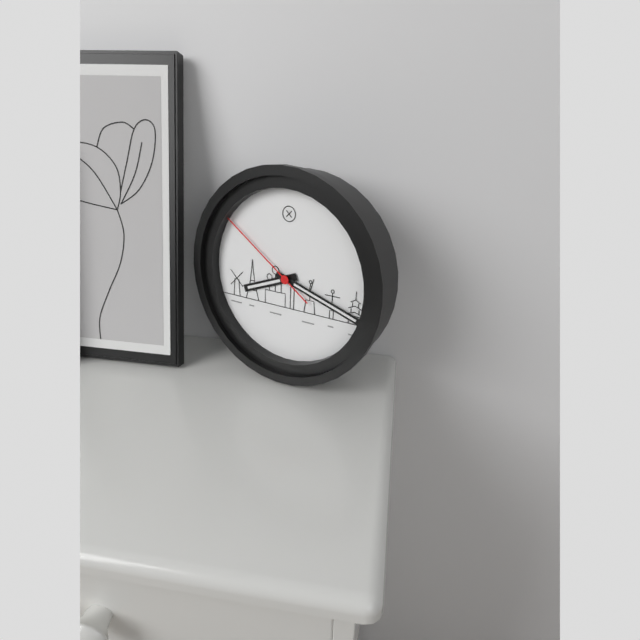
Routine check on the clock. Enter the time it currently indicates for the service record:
8:18:51
